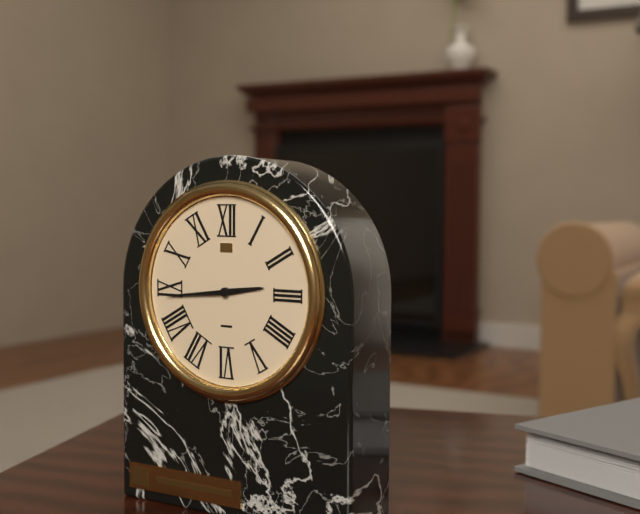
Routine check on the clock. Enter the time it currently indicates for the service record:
2:44
